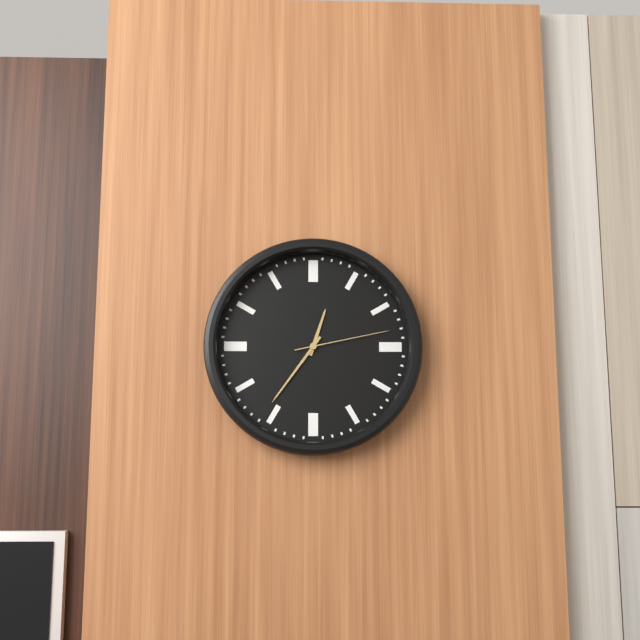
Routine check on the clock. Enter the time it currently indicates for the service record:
12:36:13
